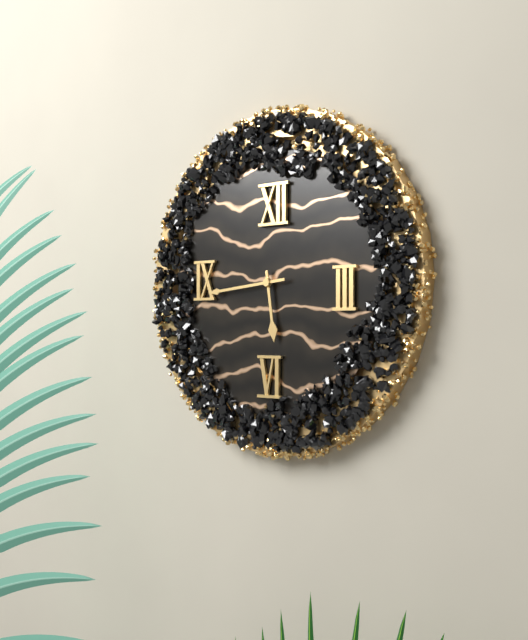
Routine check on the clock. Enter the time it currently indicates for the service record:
5:44
